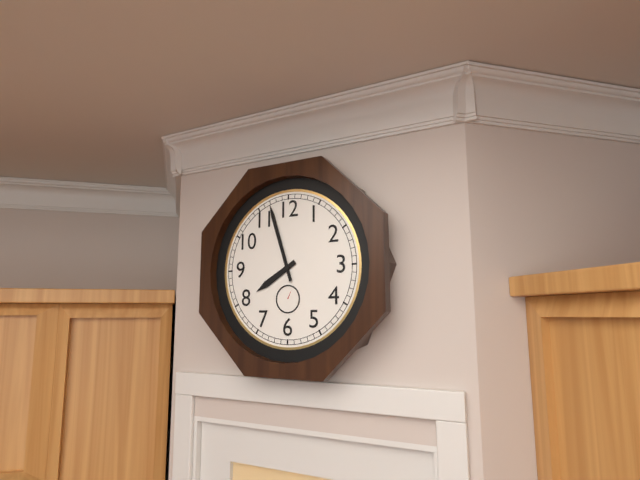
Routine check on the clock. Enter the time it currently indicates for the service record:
7:57
